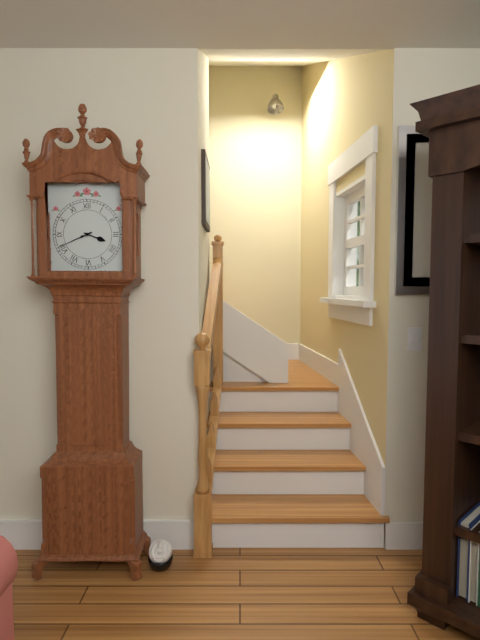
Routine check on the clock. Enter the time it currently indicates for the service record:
3:41
